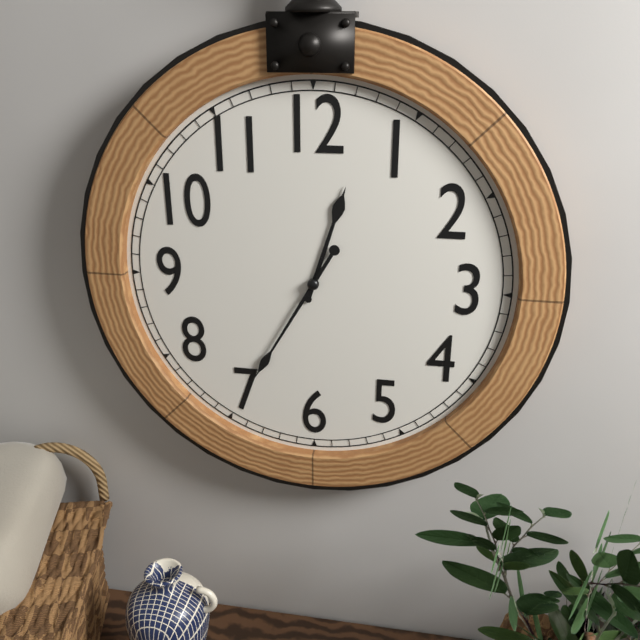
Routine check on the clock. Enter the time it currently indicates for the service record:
12:35
